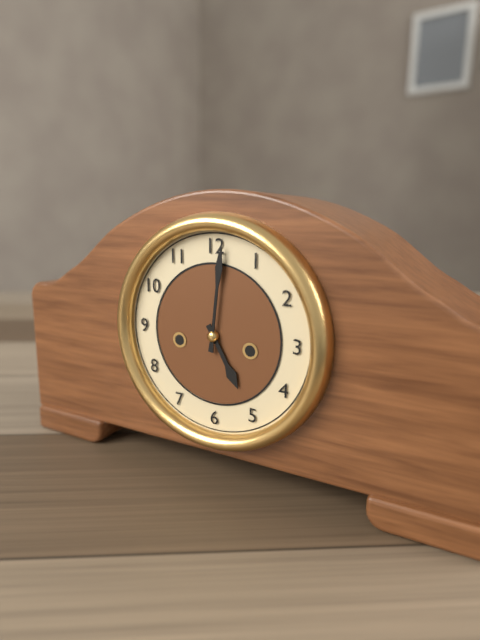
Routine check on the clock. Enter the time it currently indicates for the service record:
5:01
